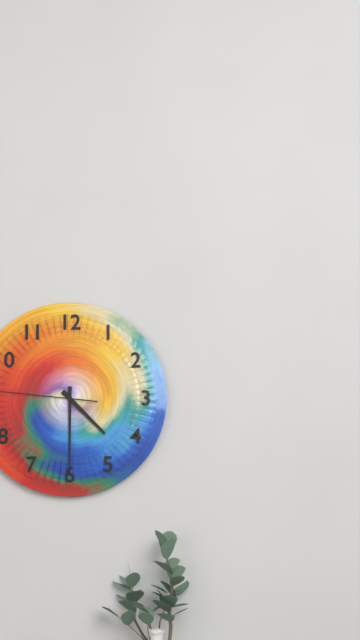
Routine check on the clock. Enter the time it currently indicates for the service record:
4:30
